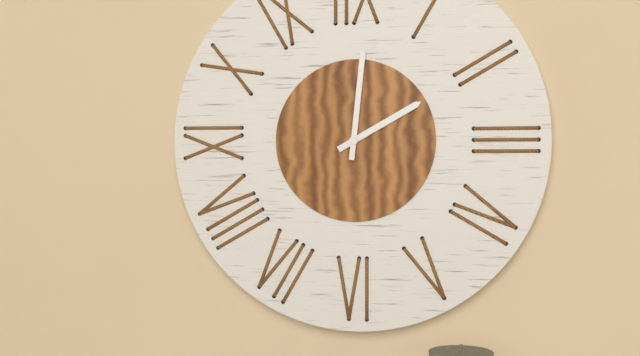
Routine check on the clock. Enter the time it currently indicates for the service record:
2:01
